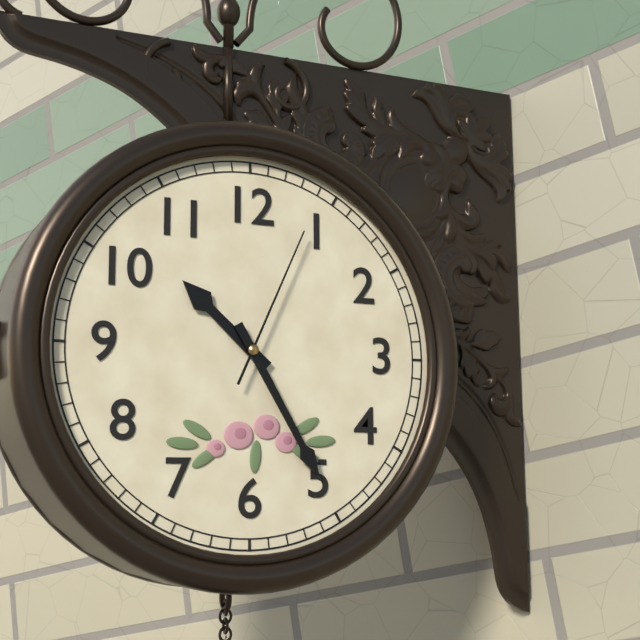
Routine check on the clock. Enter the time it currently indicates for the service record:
10:25:04
